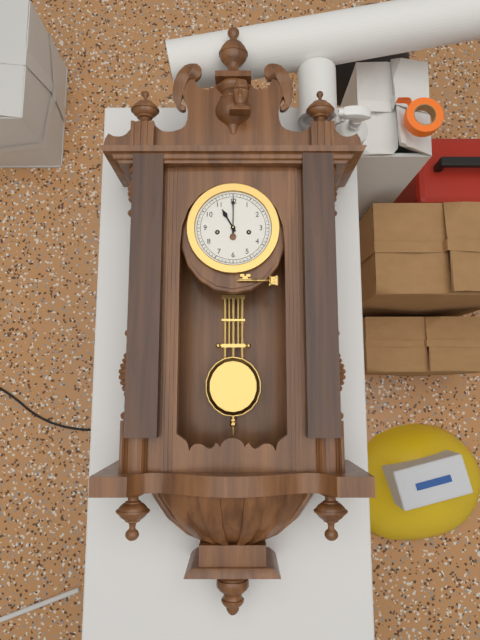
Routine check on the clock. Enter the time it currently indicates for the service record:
11:00
